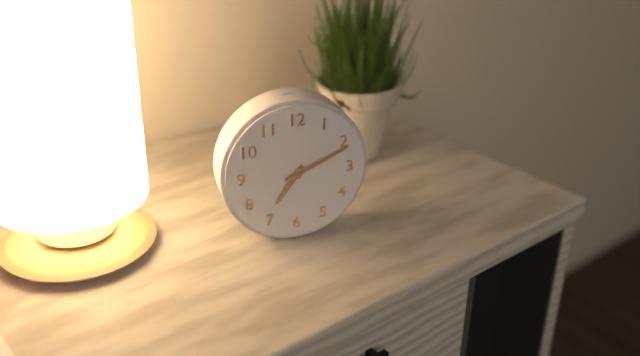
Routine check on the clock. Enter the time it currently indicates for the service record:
7:11
